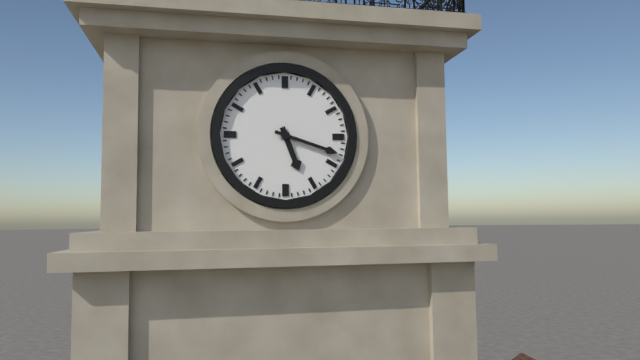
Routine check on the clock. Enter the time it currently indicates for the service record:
5:18
